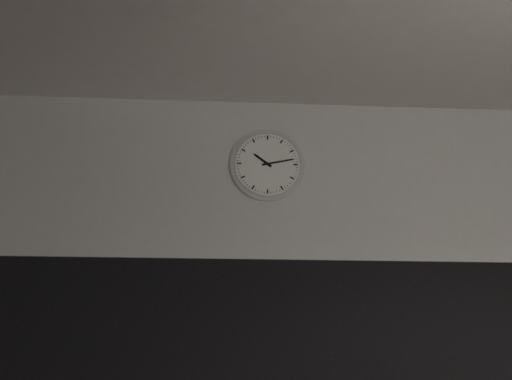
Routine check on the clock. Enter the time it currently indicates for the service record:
10:13
